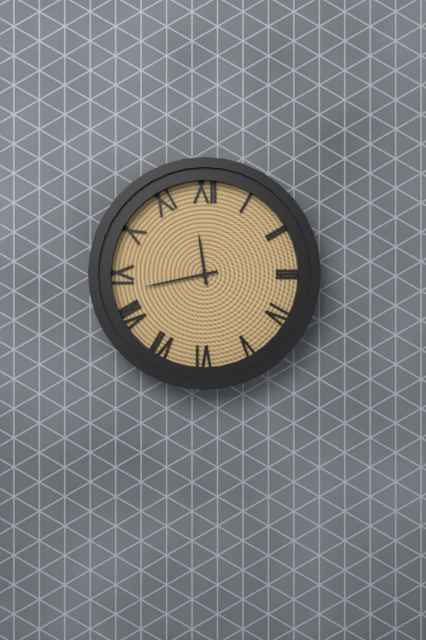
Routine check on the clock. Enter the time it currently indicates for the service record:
11:43
